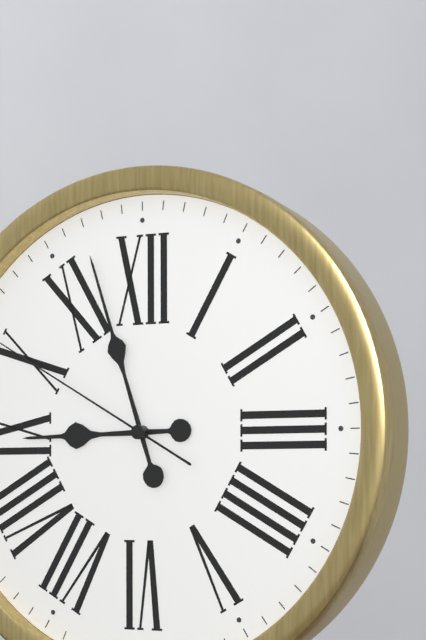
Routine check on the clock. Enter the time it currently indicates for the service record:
8:57
